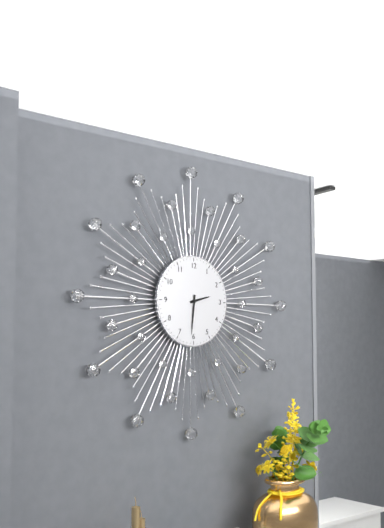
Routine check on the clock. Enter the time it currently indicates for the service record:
2:31
